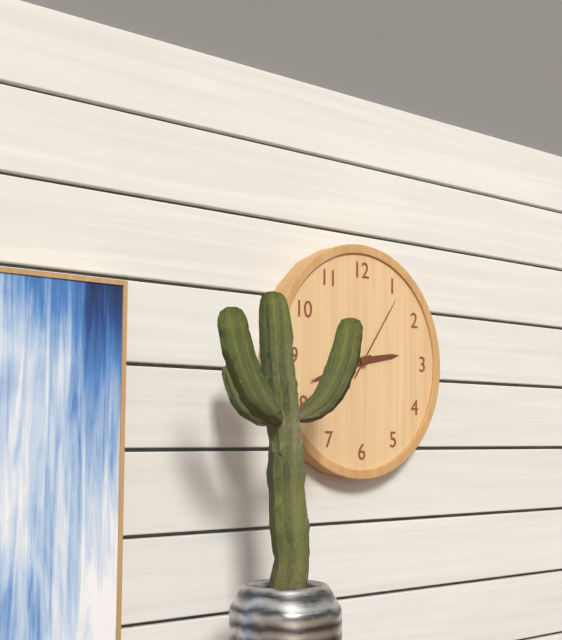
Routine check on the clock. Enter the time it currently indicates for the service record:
2:42:06
